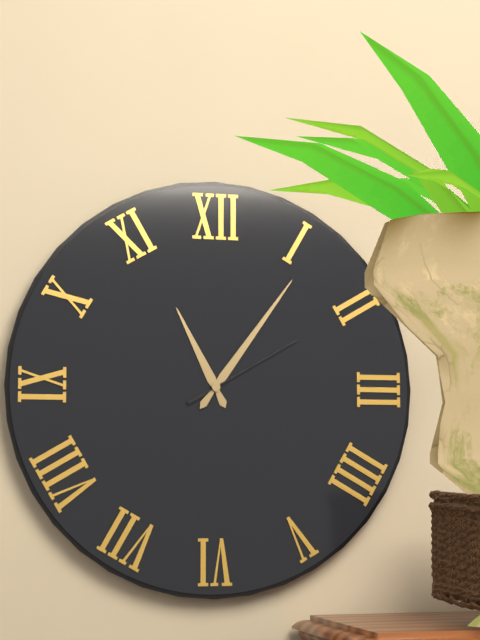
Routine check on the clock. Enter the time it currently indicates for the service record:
11:06:10
